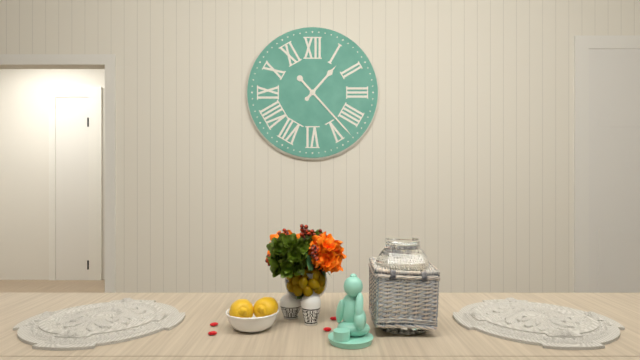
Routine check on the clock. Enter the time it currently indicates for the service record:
1:23
